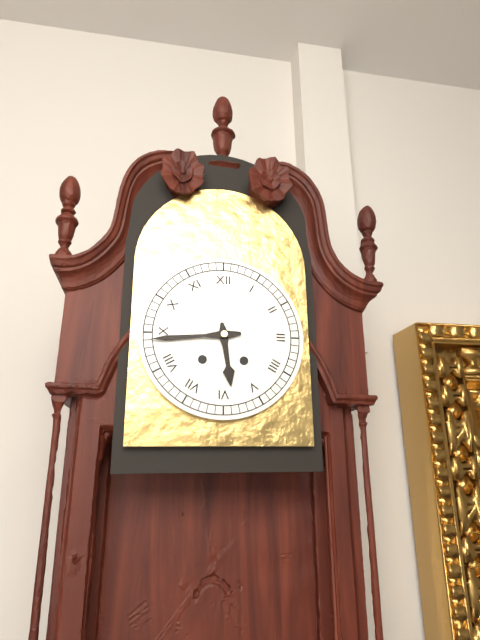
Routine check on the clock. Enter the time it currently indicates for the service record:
5:44
